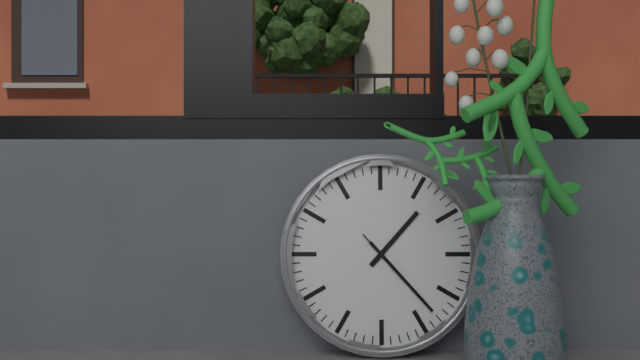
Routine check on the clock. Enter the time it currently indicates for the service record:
1:23:23
